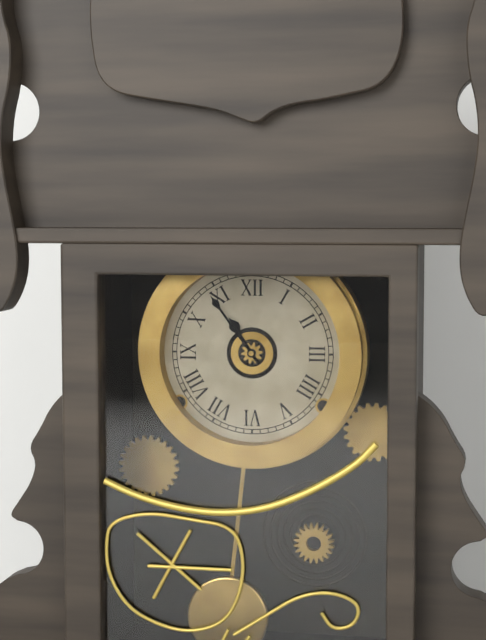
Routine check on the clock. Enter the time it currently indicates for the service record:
10:54
